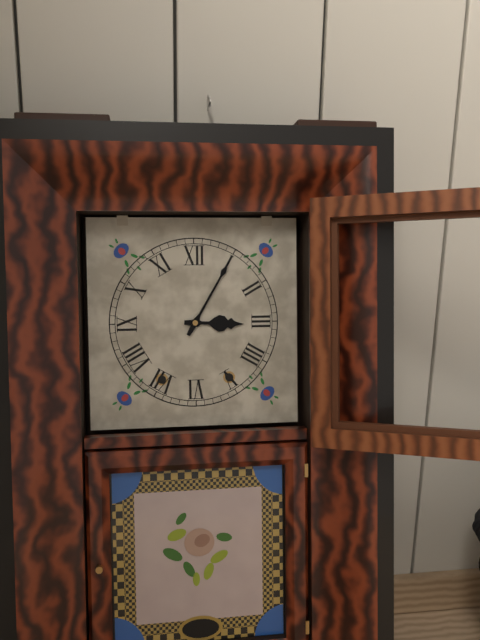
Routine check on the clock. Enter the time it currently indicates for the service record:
3:05
